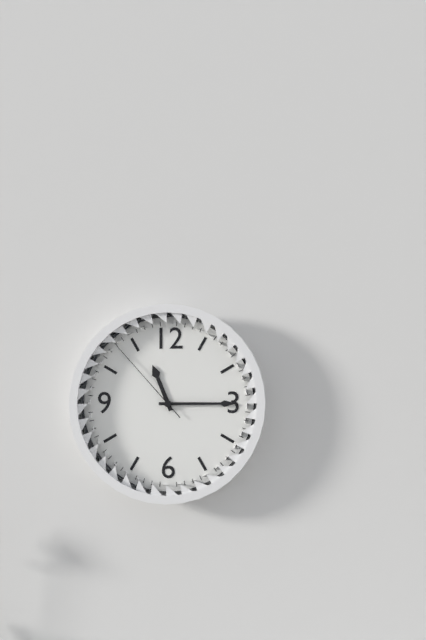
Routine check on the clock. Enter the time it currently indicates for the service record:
11:15:53
